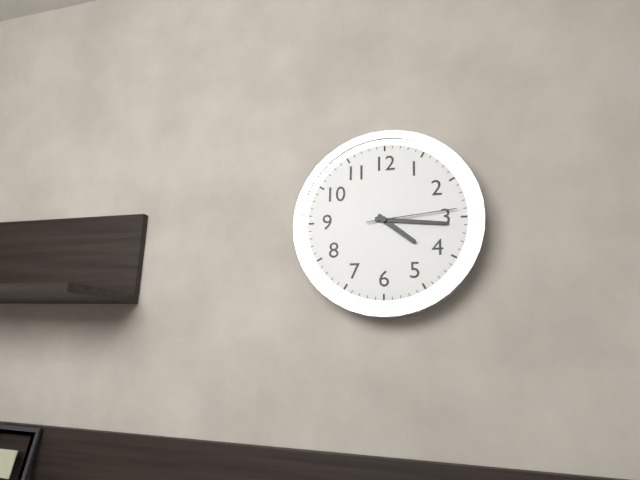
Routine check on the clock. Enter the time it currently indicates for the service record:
4:16:14
